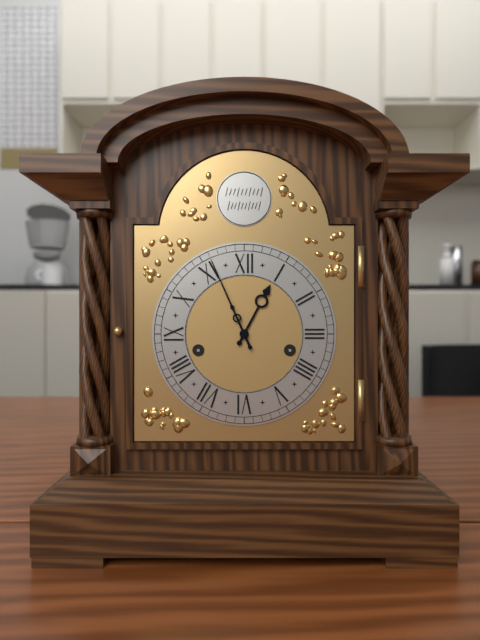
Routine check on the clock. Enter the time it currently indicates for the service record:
12:56
